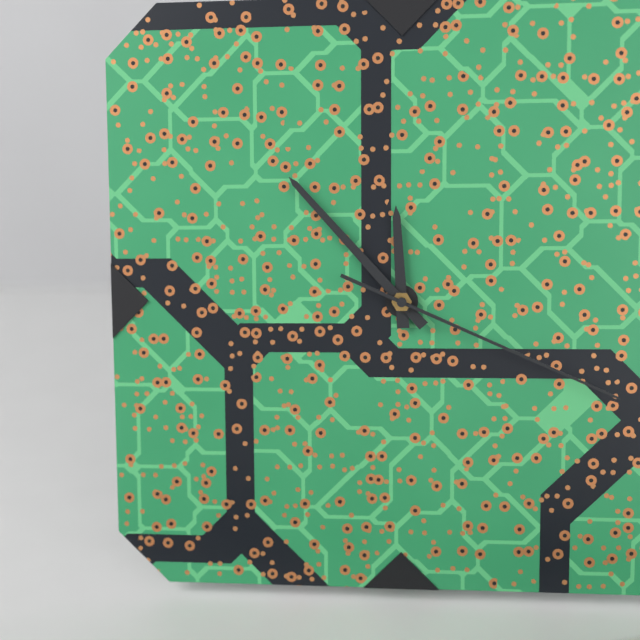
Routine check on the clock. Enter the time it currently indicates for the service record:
11:53:19
